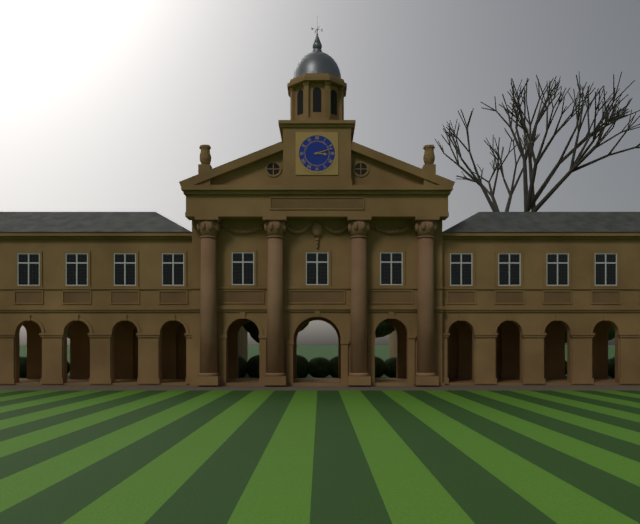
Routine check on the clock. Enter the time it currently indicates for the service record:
3:12
